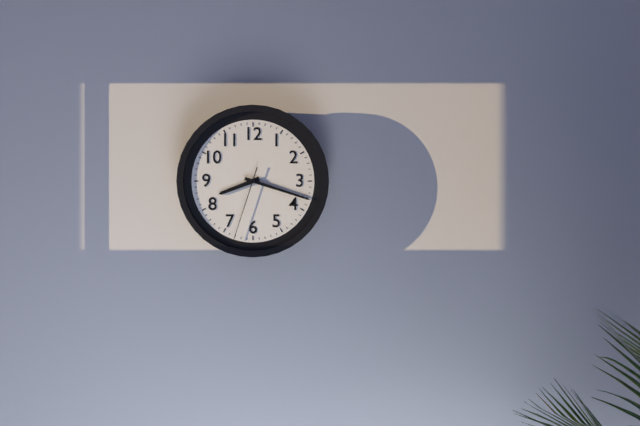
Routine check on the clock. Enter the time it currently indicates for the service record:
8:18:33
